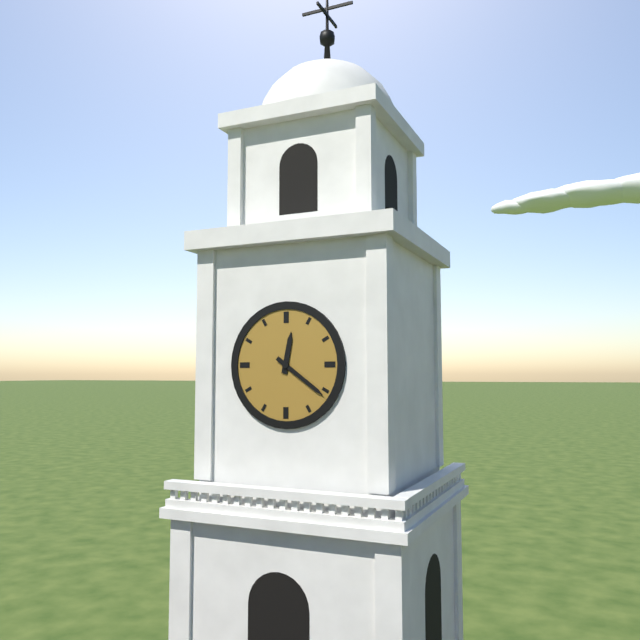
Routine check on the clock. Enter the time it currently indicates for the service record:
12:21
